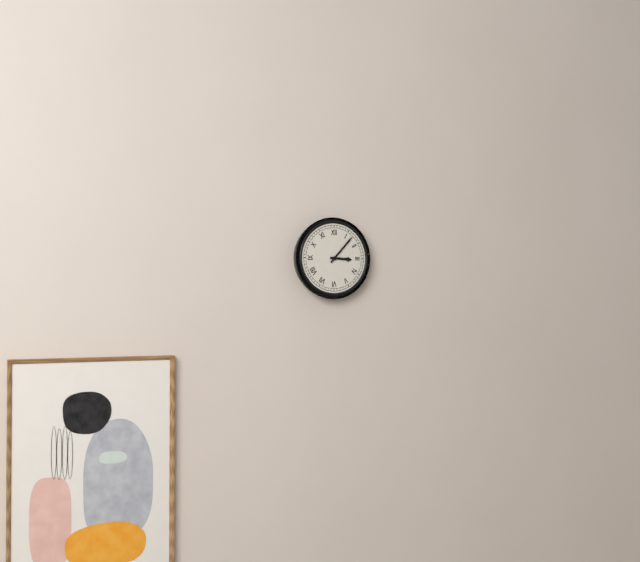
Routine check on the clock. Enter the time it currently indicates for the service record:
3:07
